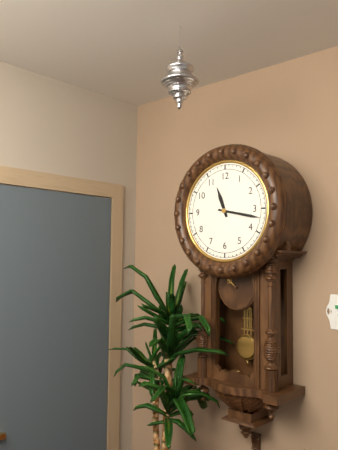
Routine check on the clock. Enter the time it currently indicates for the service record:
11:17
